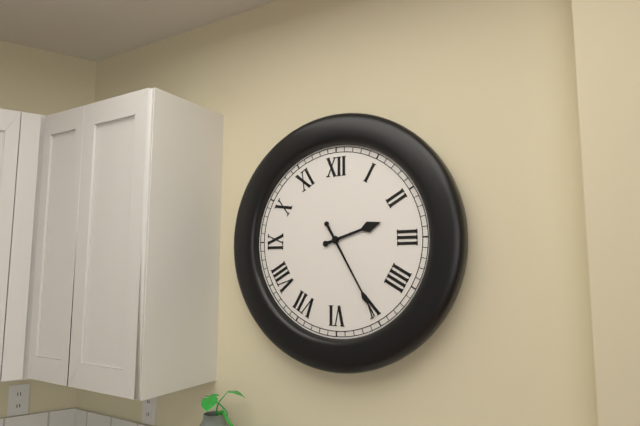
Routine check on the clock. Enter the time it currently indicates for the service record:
2:25
